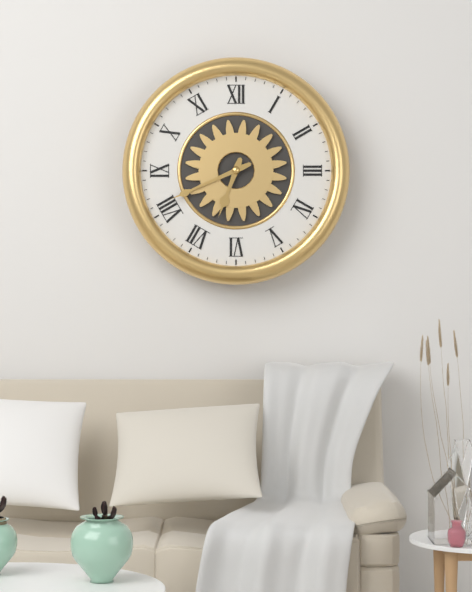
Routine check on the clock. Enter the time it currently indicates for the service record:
6:41
